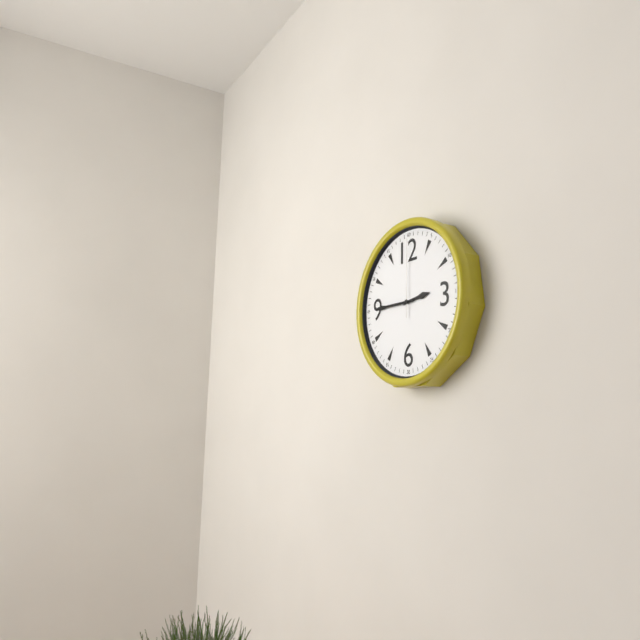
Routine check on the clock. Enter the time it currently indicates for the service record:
2:45:00
